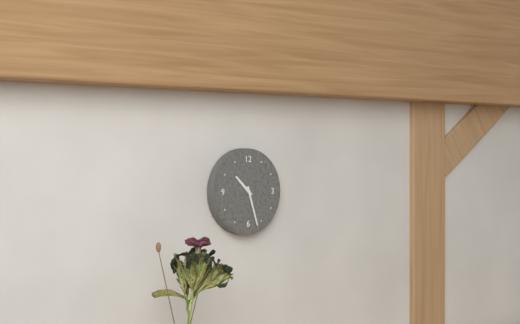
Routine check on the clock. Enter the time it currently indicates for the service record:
10:27
